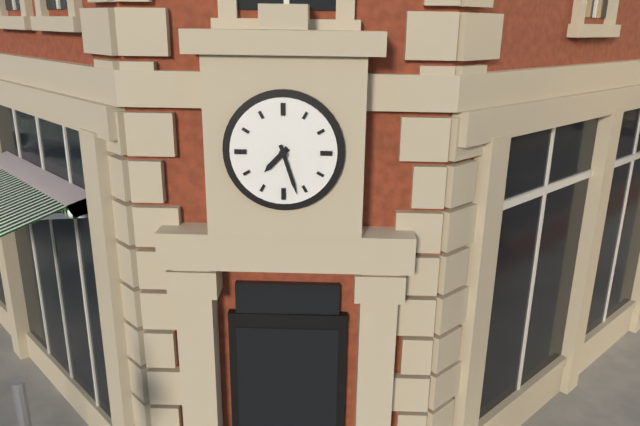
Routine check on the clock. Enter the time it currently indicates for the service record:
7:27
